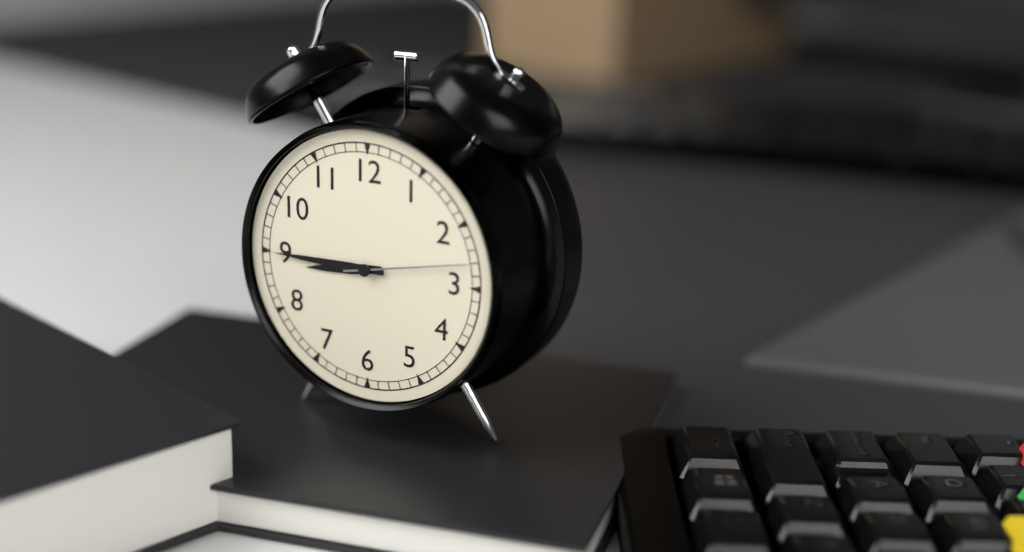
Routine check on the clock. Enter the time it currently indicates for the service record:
8:45:13
